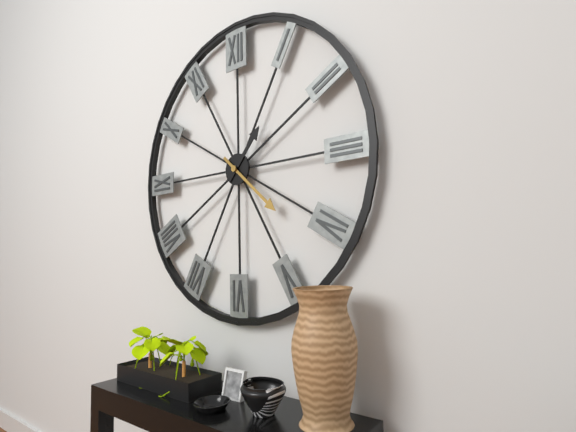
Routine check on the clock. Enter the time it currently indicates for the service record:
1:22
